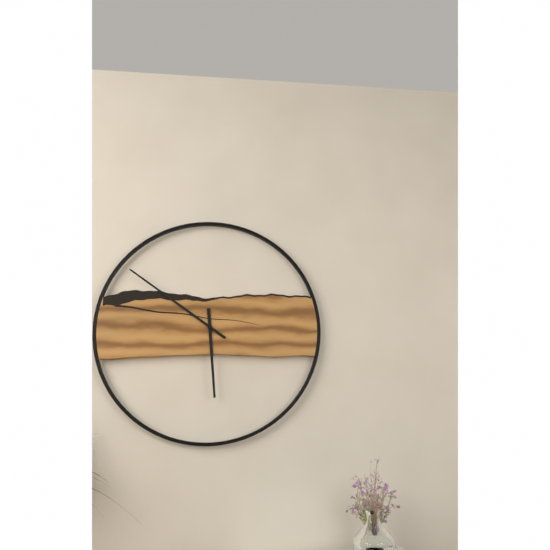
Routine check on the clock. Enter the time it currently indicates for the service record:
5:51
